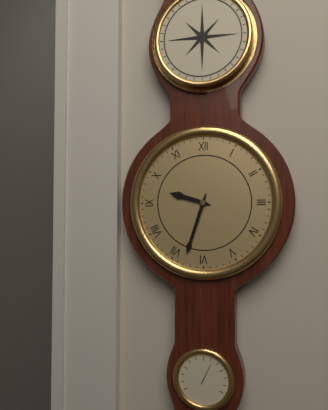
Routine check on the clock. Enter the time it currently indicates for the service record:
9:33
